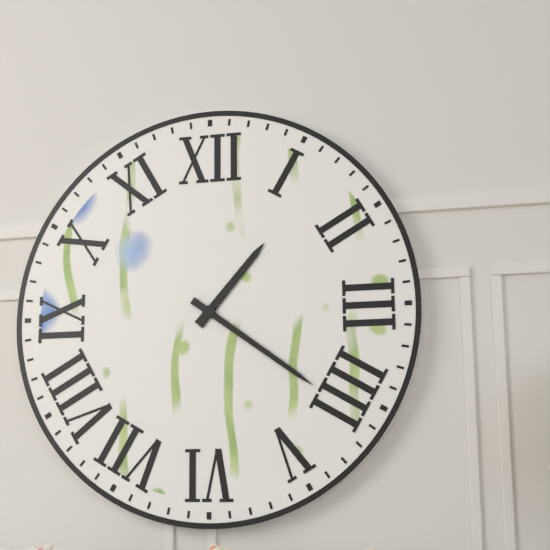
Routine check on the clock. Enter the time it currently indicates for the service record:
1:21
